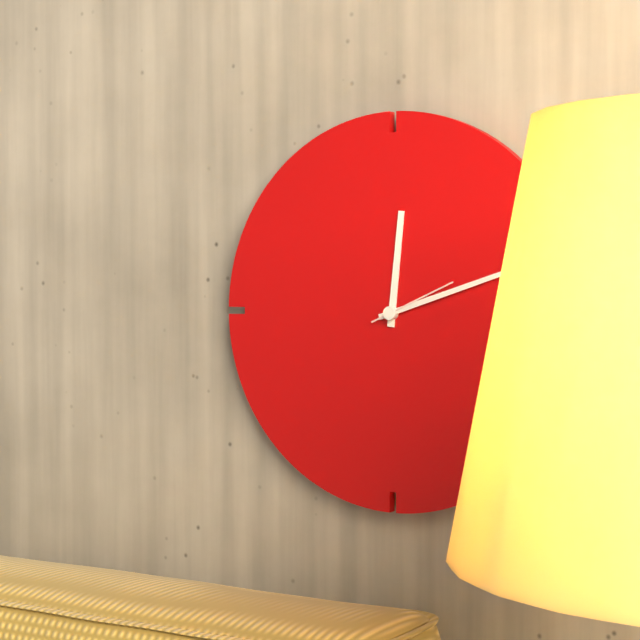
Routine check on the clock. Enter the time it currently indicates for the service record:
12:12:11
